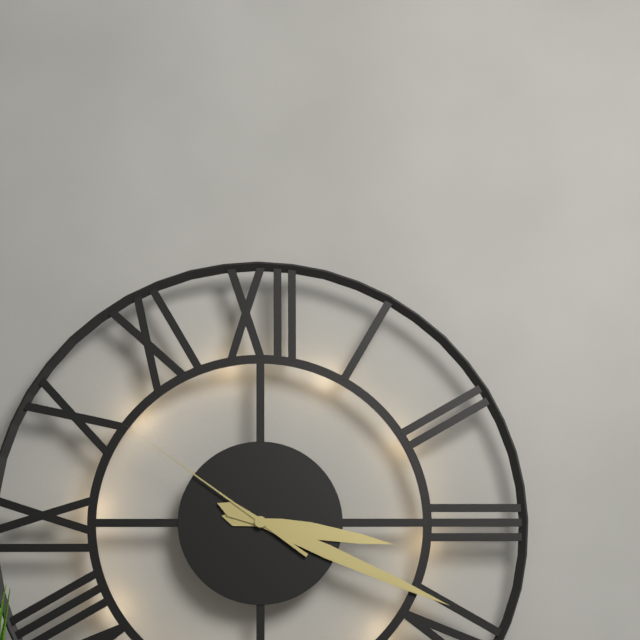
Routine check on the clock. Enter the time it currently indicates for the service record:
3:19:51
